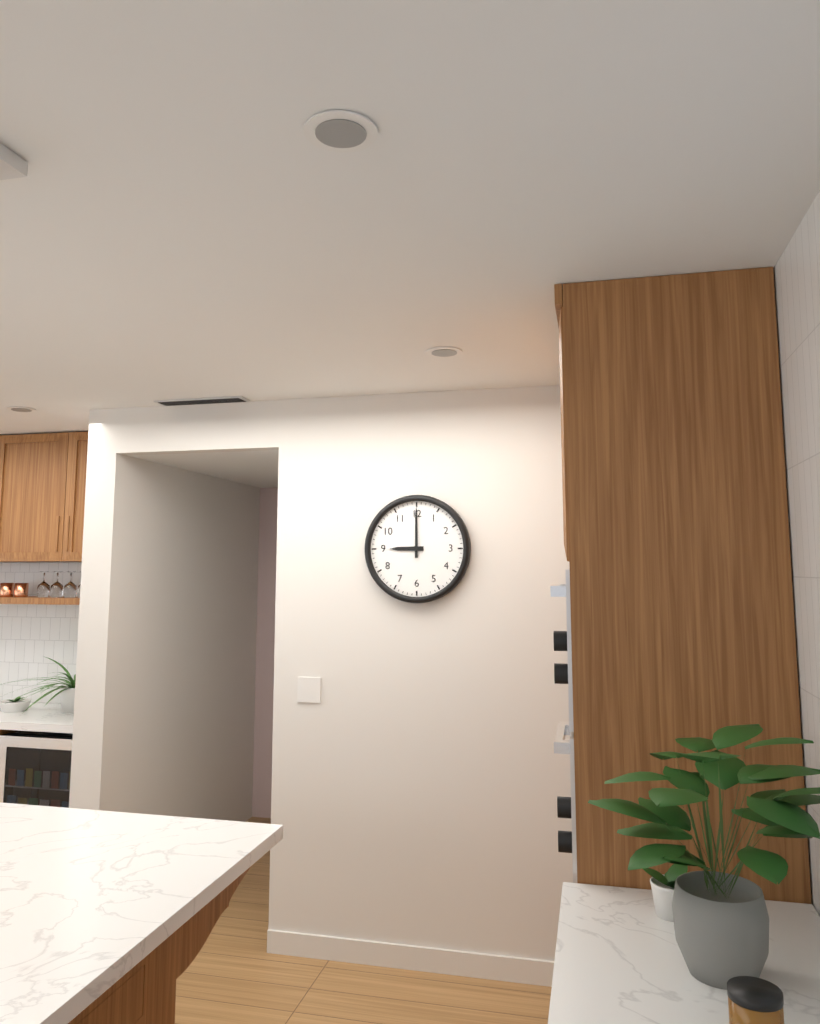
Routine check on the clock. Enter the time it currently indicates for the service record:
9:00
